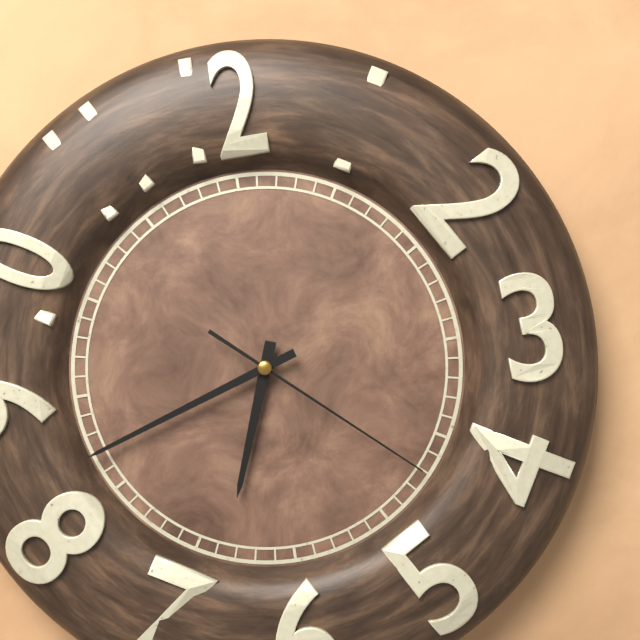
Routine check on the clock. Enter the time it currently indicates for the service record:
6:42:22
